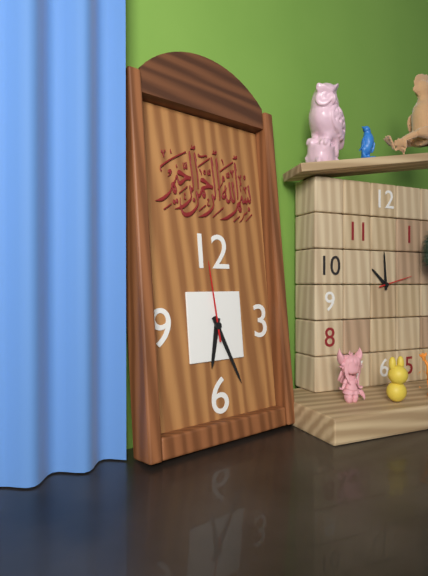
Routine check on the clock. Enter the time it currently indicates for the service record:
6:26:59
